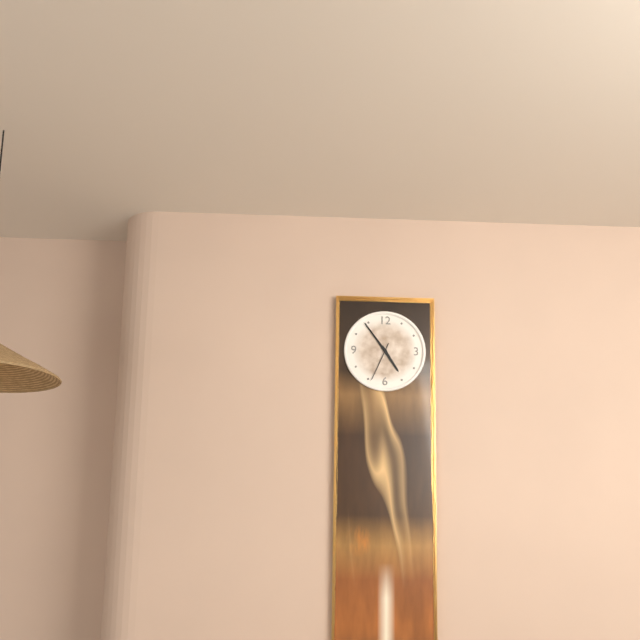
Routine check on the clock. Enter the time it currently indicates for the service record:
4:54
